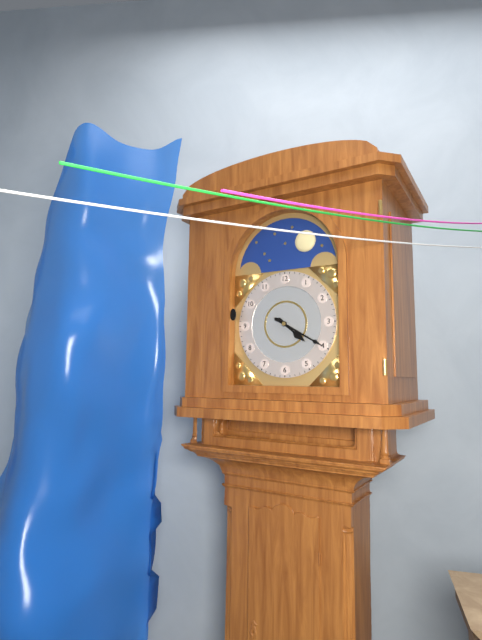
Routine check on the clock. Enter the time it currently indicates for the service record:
4:20
